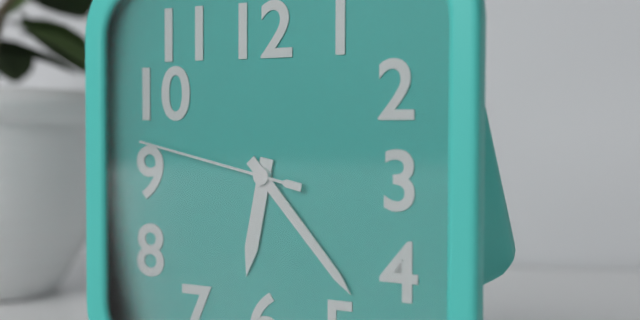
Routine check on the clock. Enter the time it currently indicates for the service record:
6:23:47
